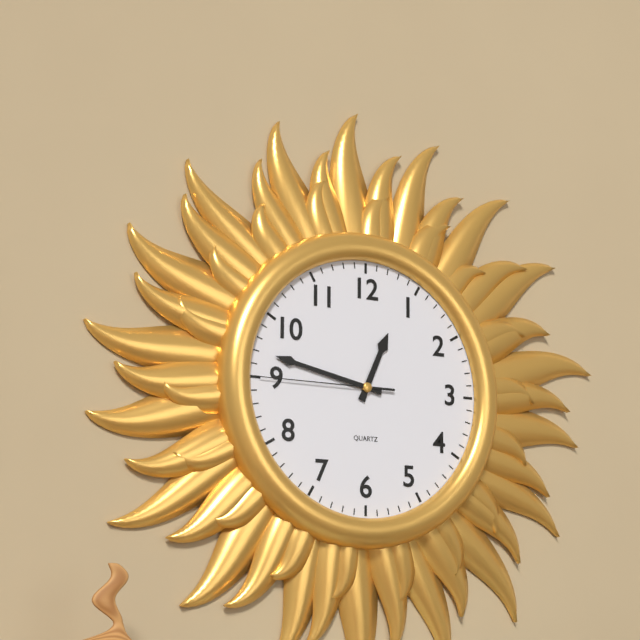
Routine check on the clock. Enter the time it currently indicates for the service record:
12:47:45
